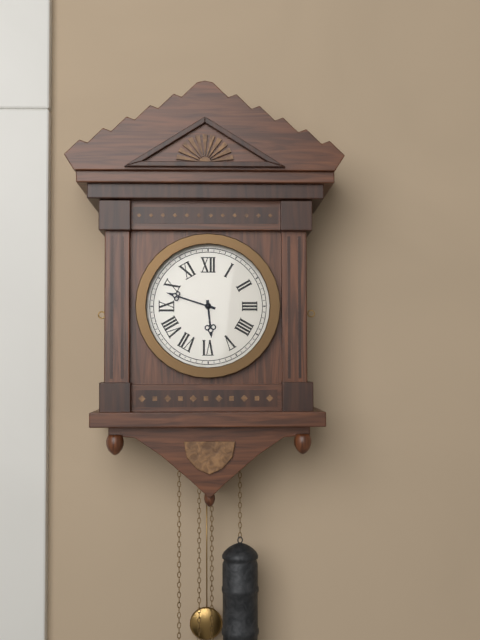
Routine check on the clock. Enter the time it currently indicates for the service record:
5:48
